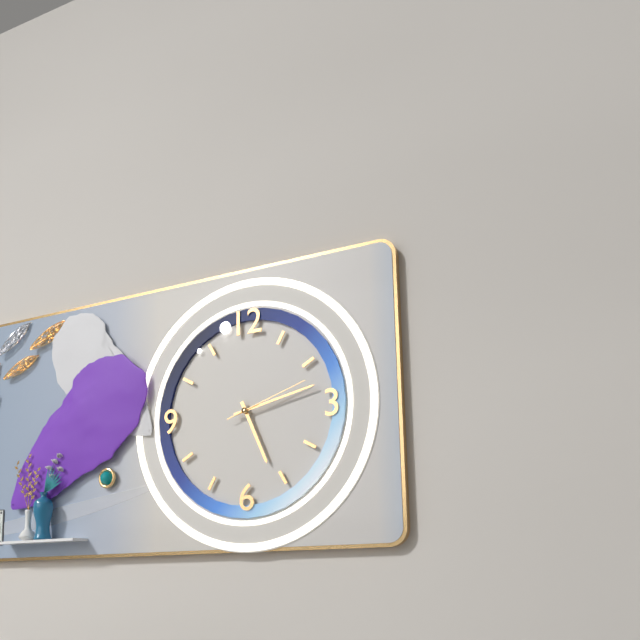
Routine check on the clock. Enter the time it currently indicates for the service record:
5:13:12
